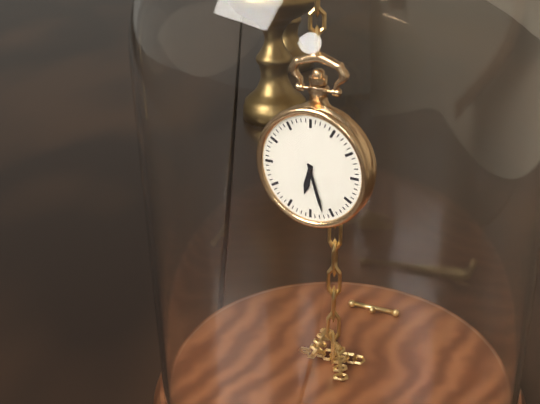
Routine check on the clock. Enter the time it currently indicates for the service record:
6:27
